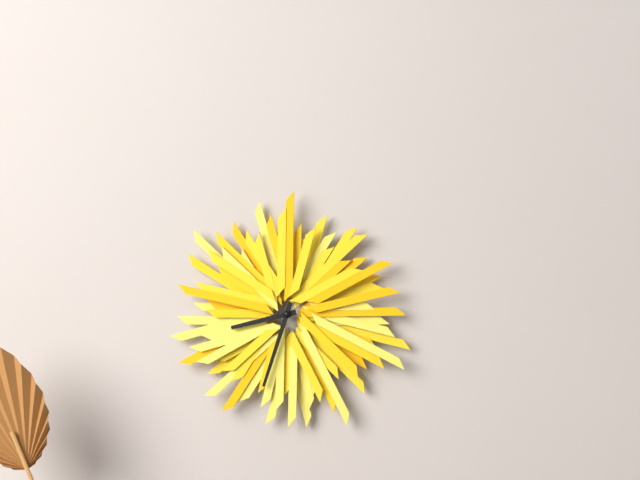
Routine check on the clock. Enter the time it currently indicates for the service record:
8:33
